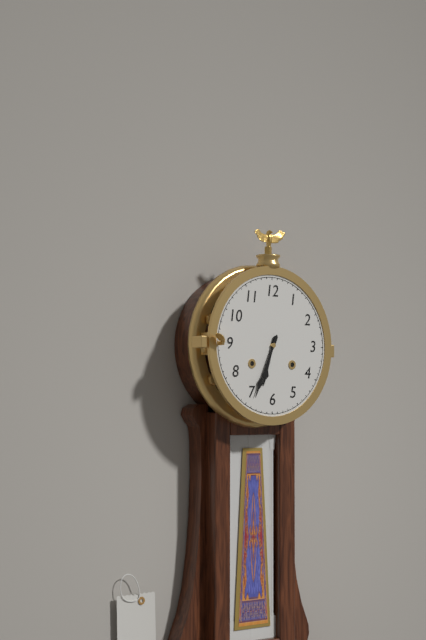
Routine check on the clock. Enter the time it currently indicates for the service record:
6:34
